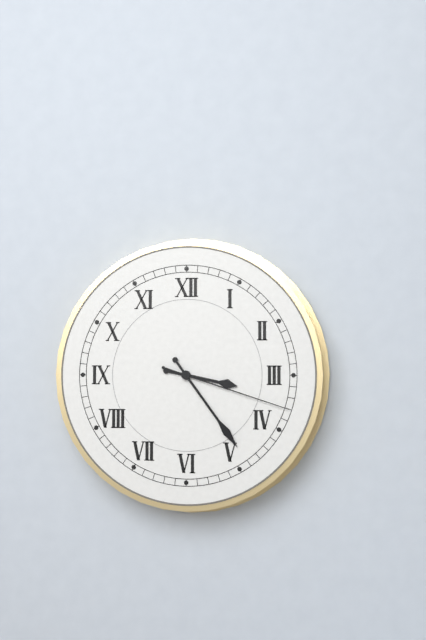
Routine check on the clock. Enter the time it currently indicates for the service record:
3:24:18
